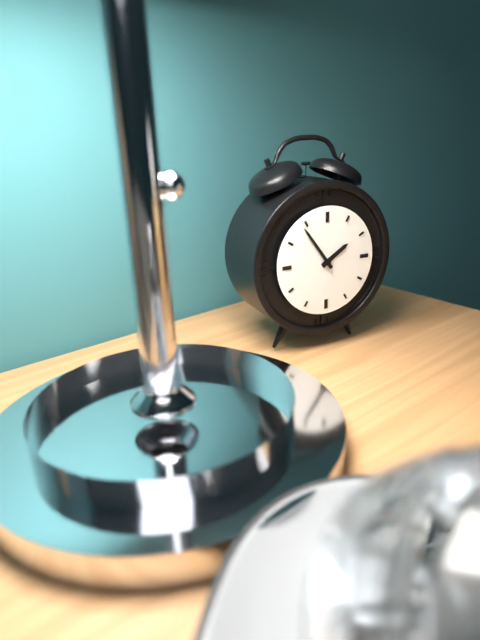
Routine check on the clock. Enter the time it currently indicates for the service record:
1:54
